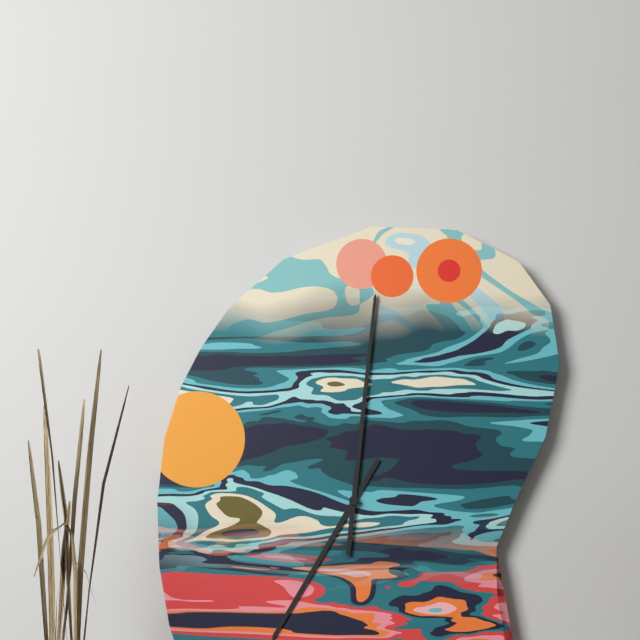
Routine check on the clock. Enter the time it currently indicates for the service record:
7:01
